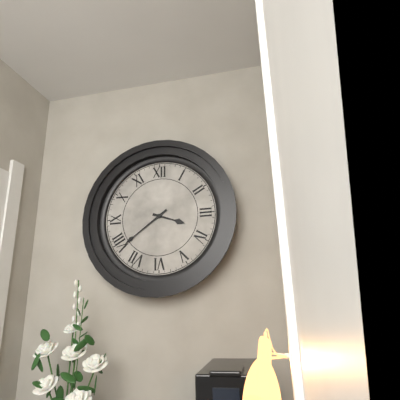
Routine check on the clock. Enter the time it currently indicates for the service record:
3:39
